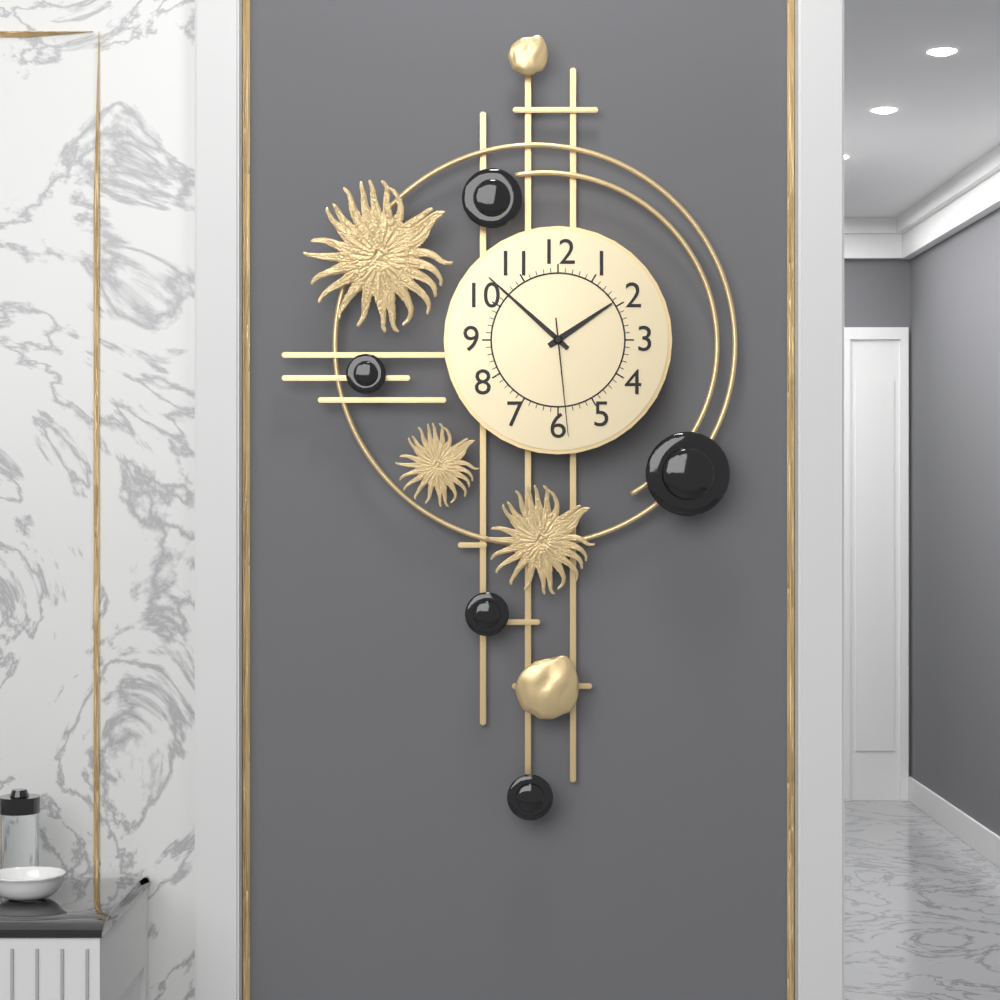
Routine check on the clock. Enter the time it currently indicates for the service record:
1:52:29
